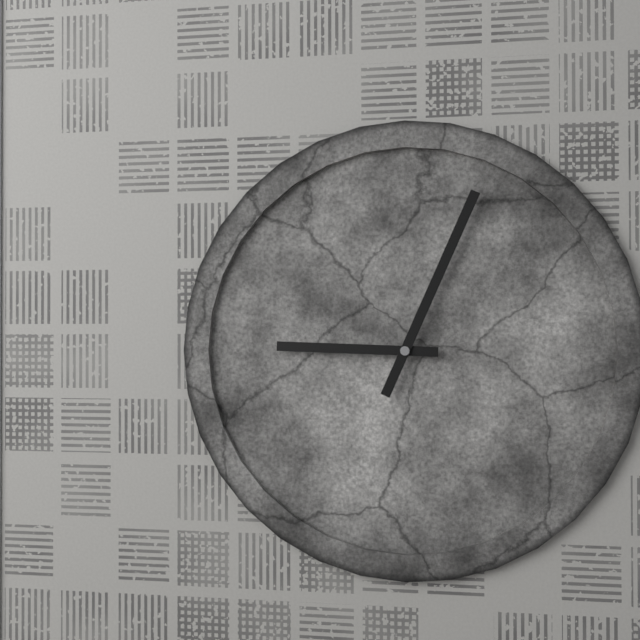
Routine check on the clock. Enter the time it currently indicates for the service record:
9:04
